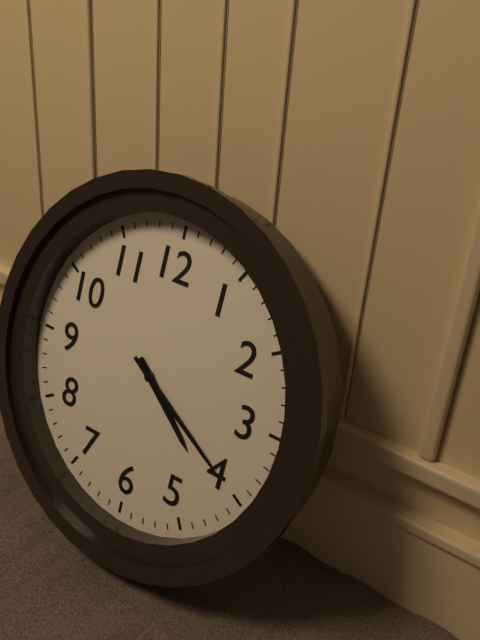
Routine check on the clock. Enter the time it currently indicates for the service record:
4:20
